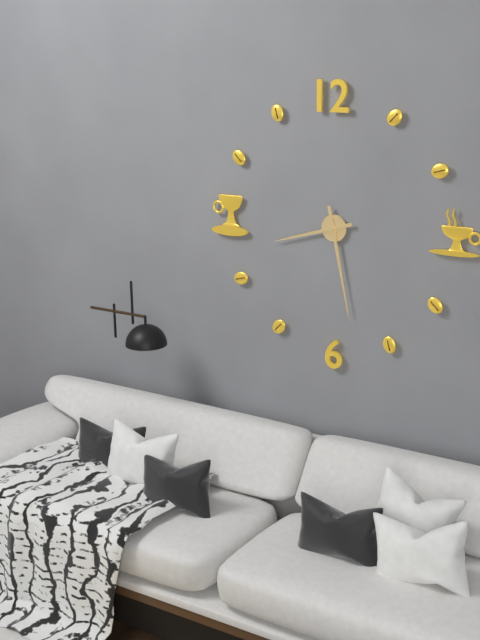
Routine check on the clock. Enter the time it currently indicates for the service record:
8:28
